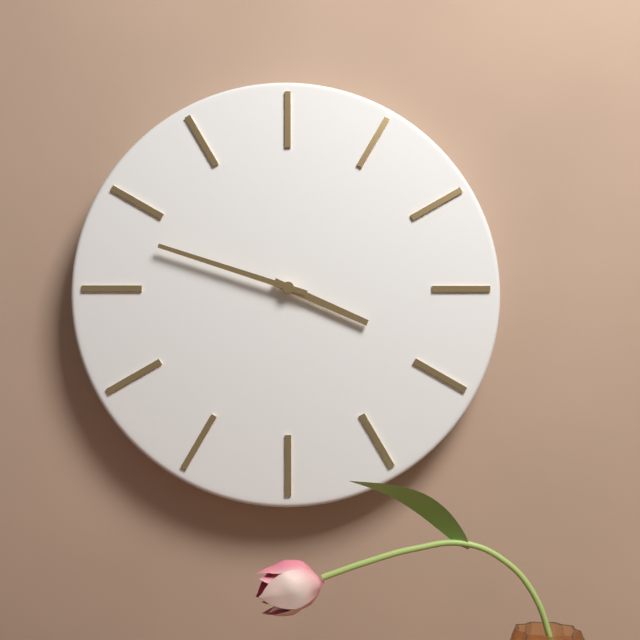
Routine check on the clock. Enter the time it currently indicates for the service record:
3:48
